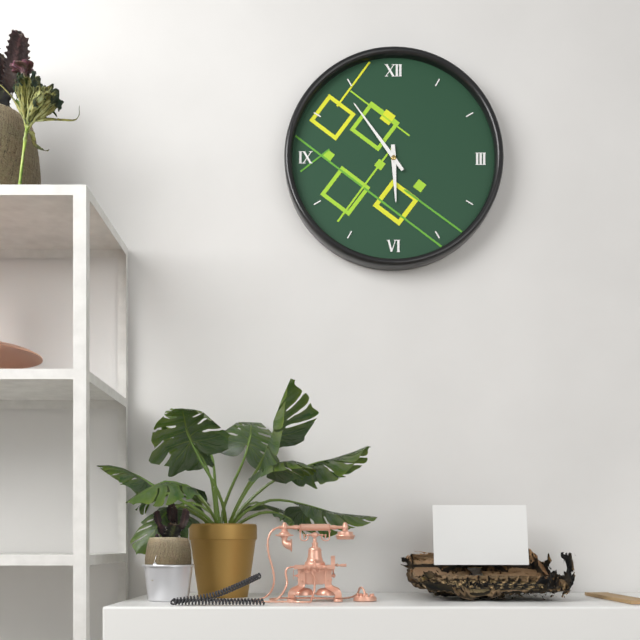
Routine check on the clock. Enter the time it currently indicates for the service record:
5:54
